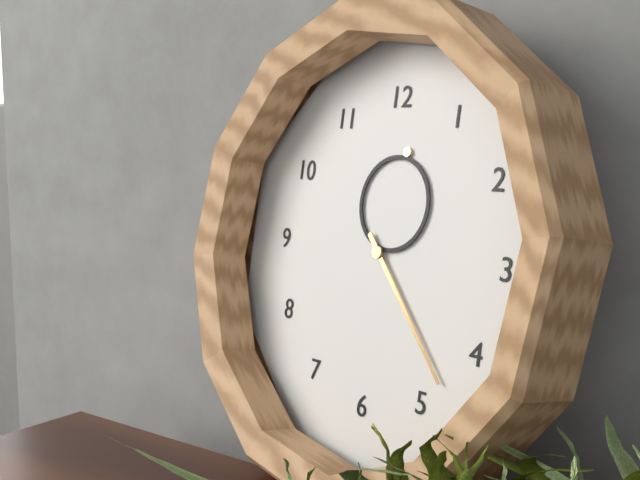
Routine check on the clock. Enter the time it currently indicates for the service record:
12:23
